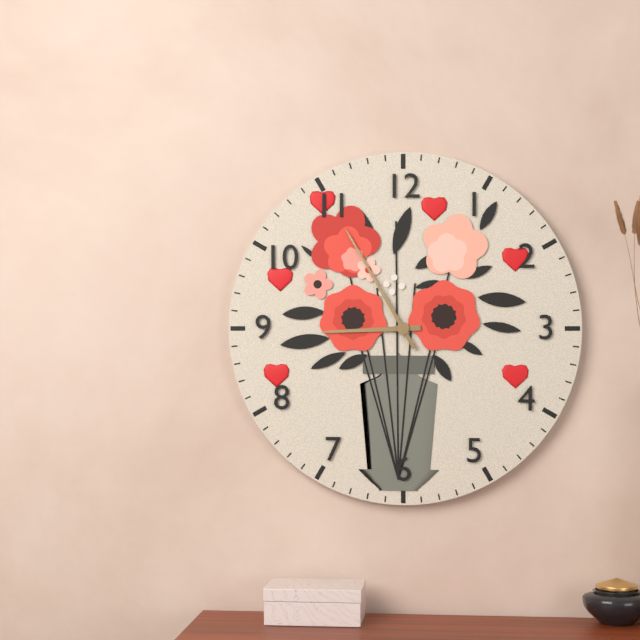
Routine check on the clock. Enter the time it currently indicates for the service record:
8:55
